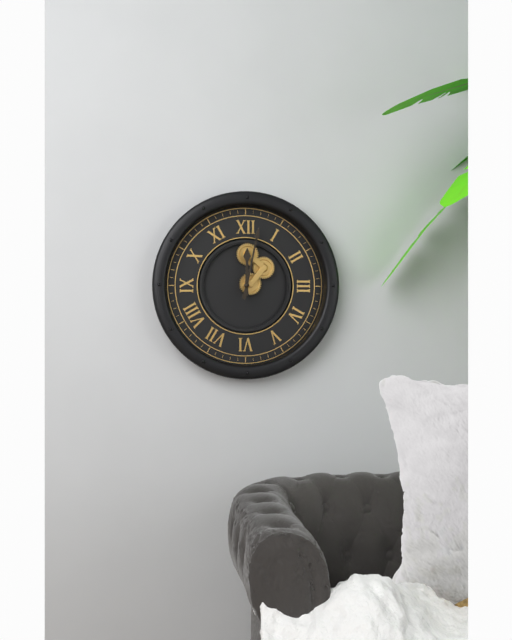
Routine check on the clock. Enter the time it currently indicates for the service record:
12:02
